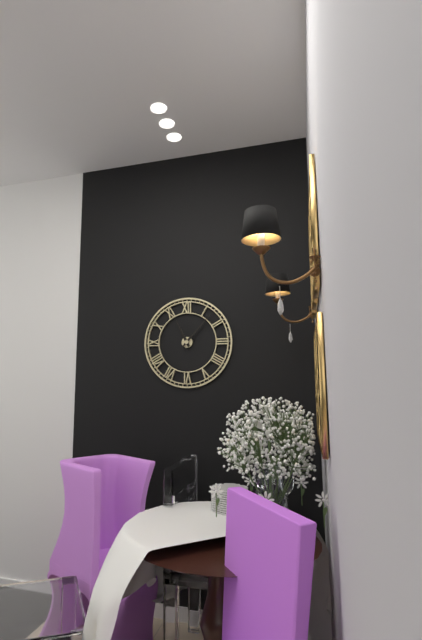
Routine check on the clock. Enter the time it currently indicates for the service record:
11:07
